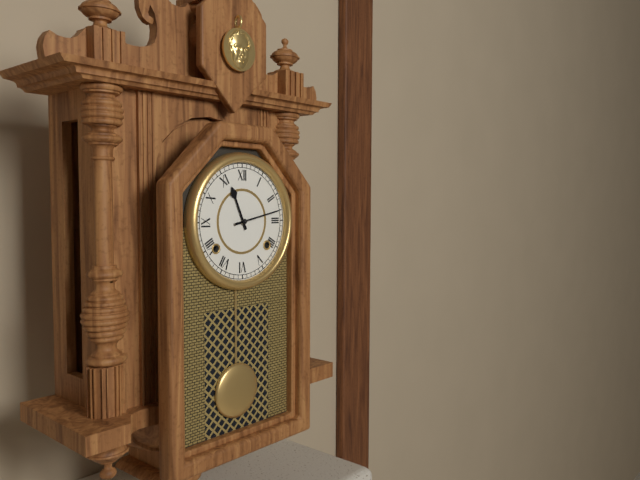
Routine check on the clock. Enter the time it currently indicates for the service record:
11:13
